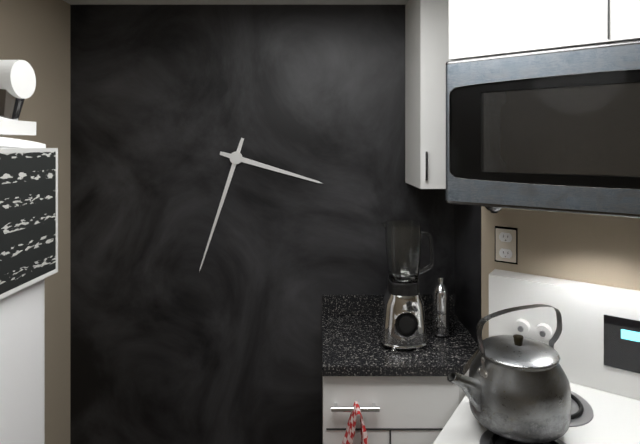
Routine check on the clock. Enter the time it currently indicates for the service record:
3:33
